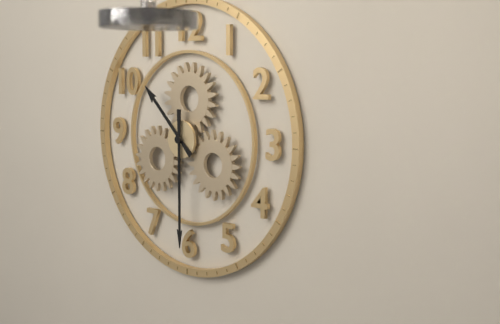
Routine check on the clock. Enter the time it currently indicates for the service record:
10:30
